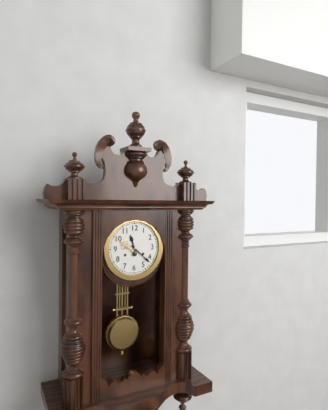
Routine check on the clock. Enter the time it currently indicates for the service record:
11:22
